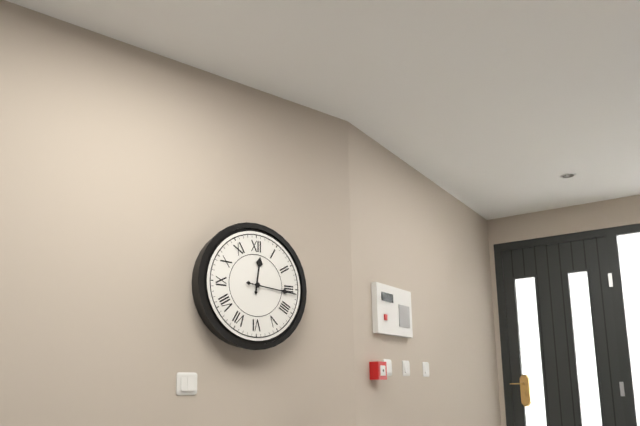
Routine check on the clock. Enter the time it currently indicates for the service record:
12:16
